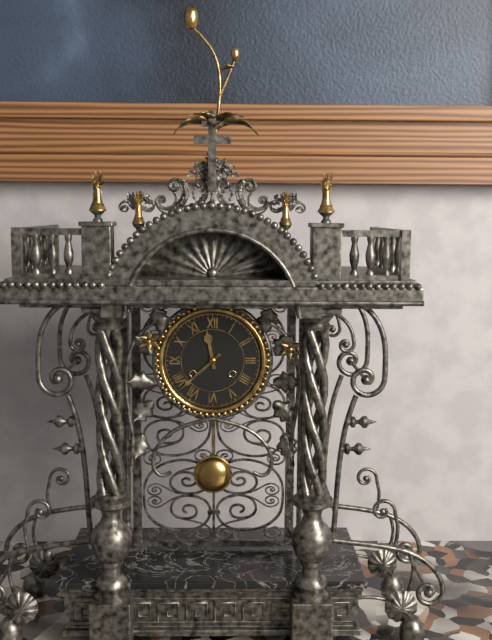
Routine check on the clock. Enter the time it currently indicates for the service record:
11:38
